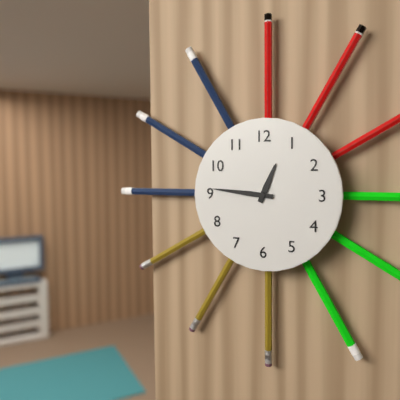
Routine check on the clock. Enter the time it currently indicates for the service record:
12:46
